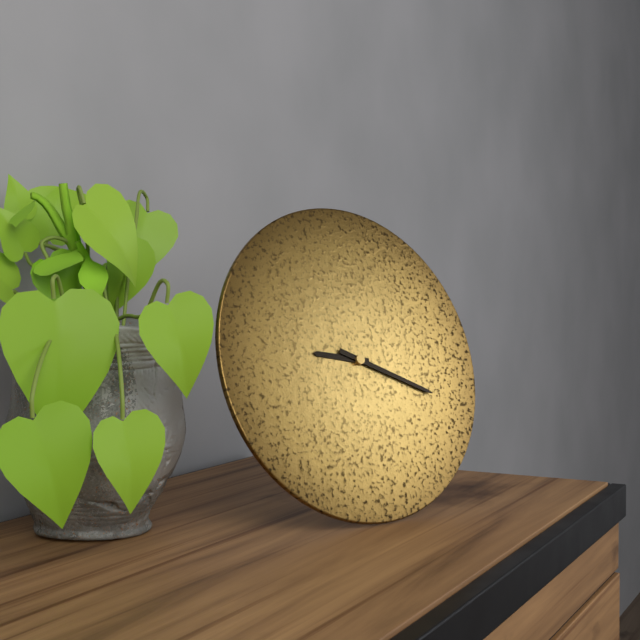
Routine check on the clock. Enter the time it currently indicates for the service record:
9:19
